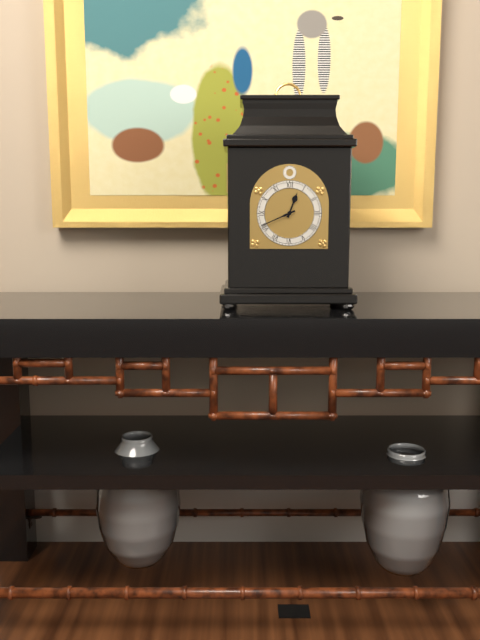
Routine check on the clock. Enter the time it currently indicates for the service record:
12:41
